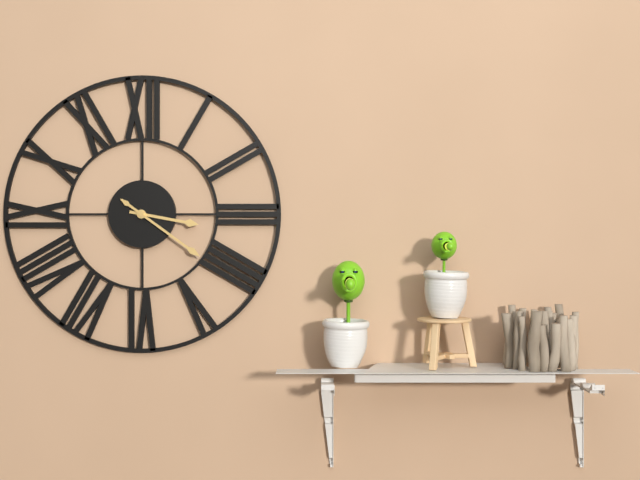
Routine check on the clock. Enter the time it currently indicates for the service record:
3:21
